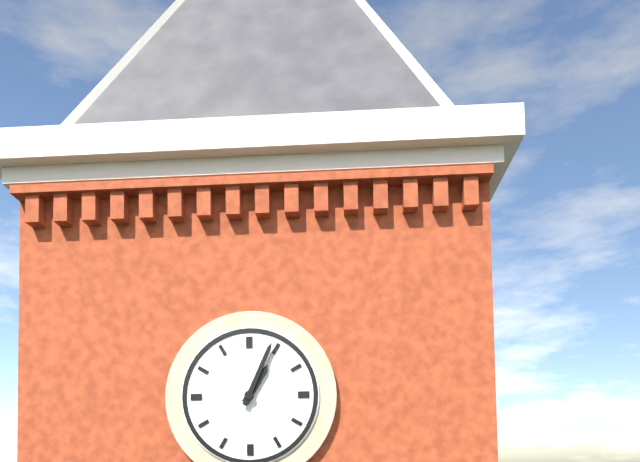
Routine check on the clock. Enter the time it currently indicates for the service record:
1:04
